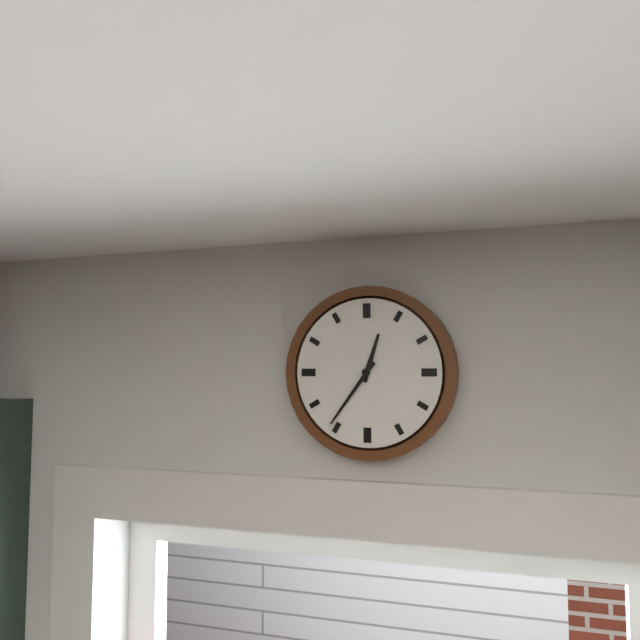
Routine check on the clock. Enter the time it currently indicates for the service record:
12:36
